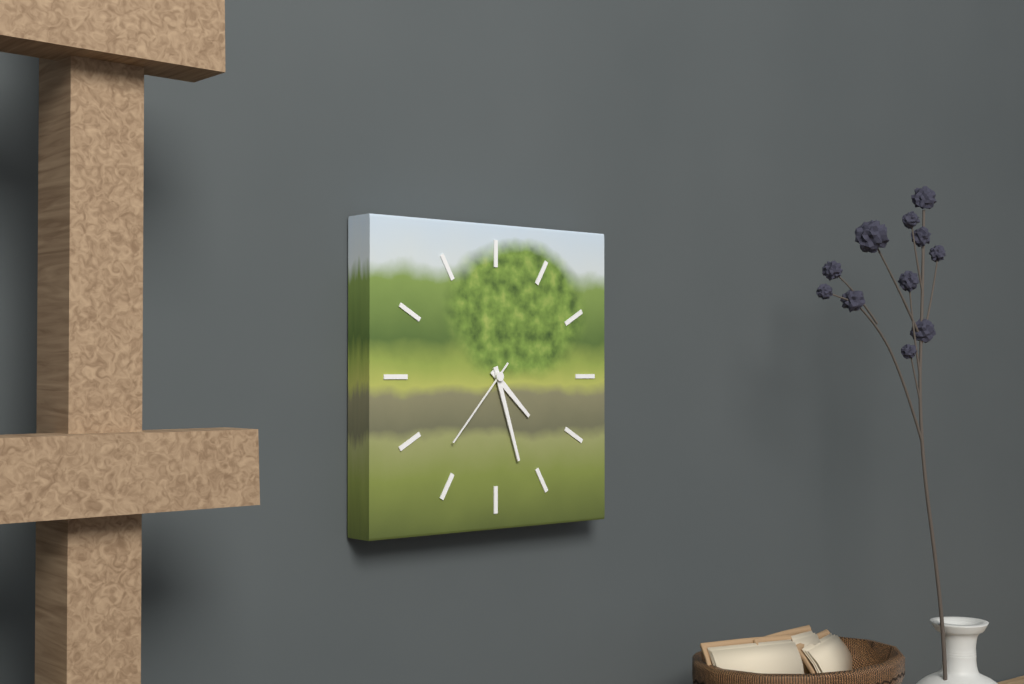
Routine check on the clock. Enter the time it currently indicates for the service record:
4:27:37
